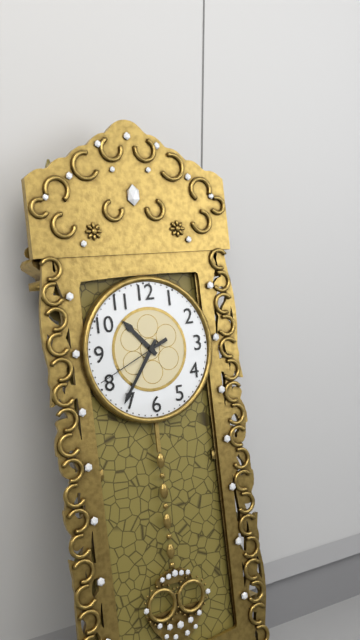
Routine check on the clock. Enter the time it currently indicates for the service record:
10:36:41
